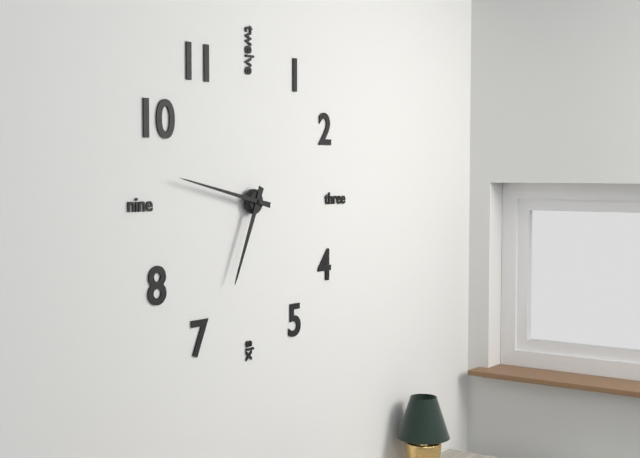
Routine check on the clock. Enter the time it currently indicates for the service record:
6:47
